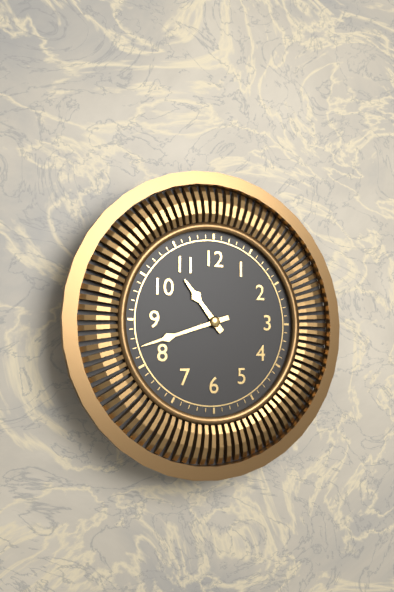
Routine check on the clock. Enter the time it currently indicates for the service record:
10:42
